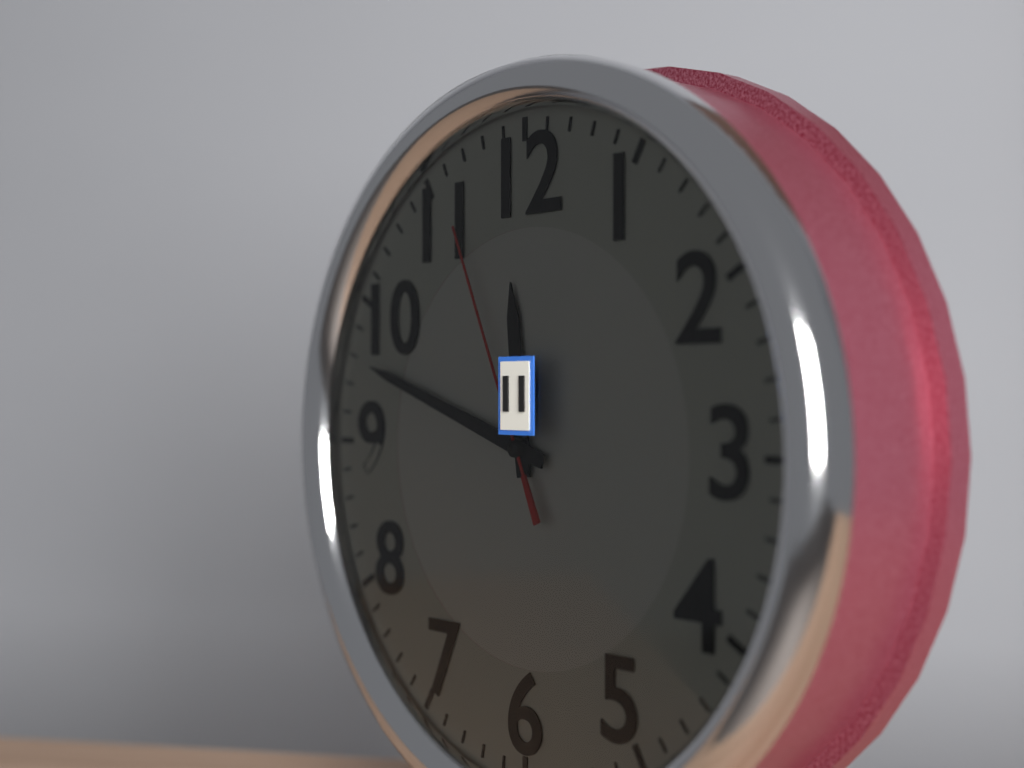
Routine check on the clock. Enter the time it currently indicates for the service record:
11:48:56
